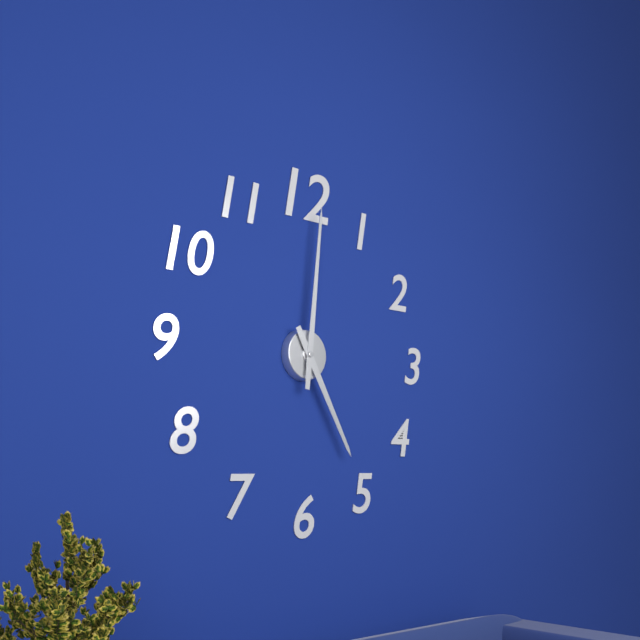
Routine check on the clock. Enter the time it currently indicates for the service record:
5:01
